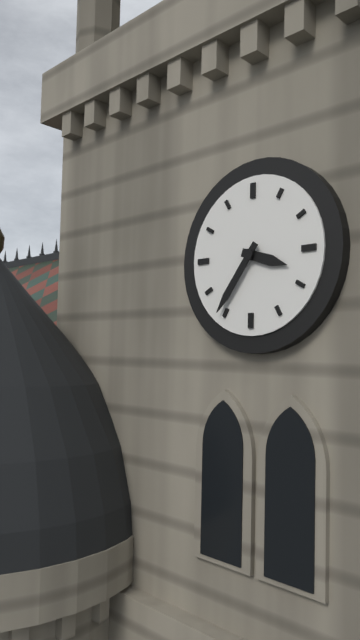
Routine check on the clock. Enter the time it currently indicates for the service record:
3:36
